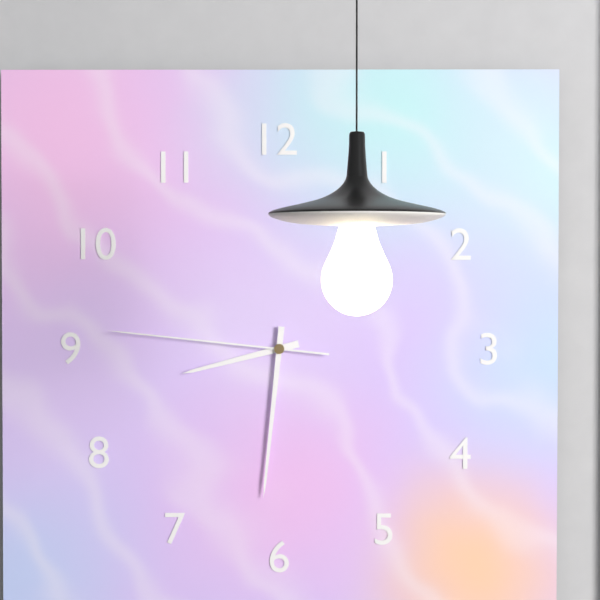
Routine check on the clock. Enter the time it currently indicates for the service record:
8:31:46
